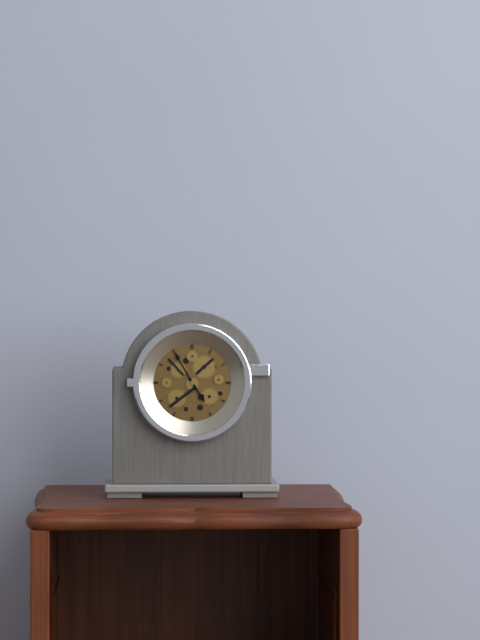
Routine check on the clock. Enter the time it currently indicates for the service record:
4:55
